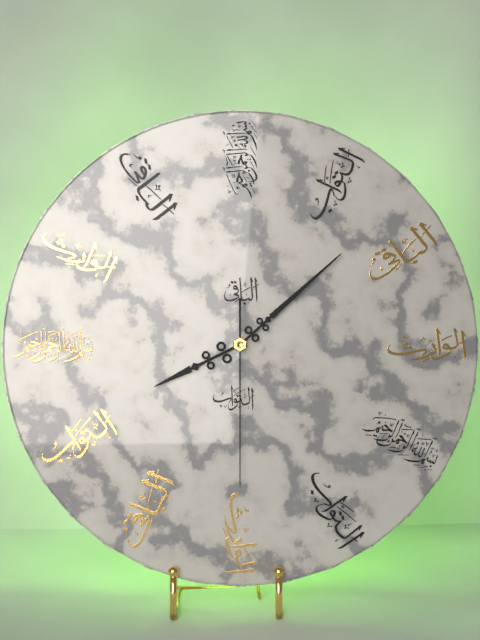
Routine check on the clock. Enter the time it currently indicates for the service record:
8:08:30
